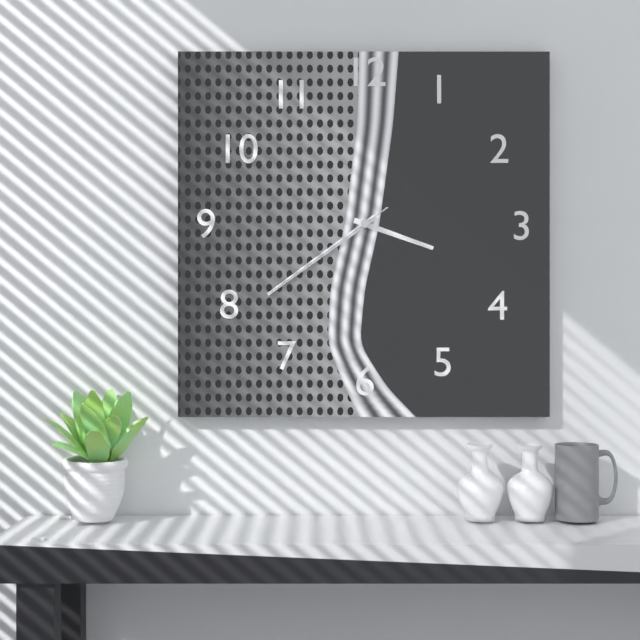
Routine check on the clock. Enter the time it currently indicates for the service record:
3:39:39
